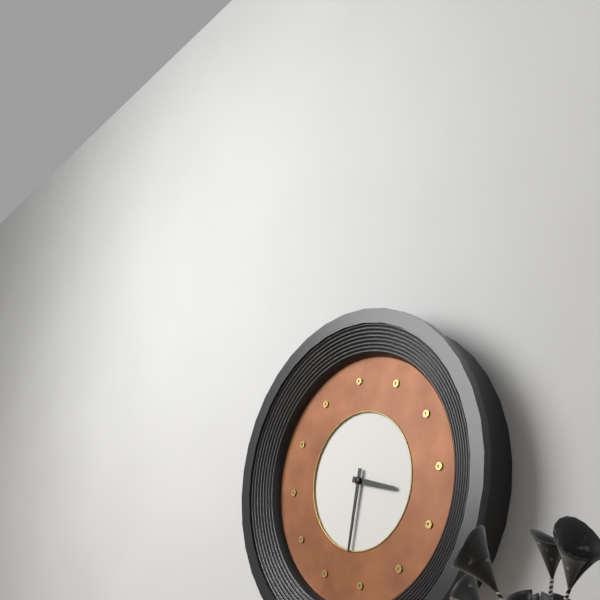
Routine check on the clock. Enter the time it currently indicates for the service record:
3:32
